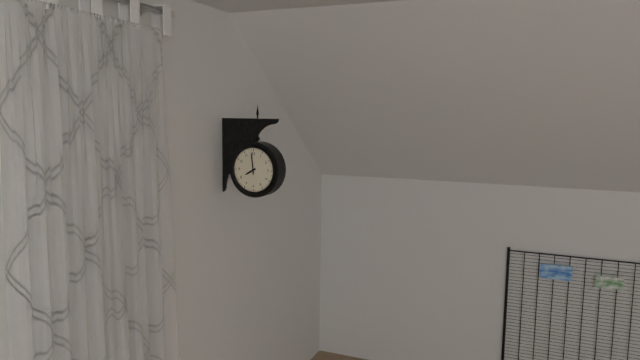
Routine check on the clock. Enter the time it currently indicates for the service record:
7:59
